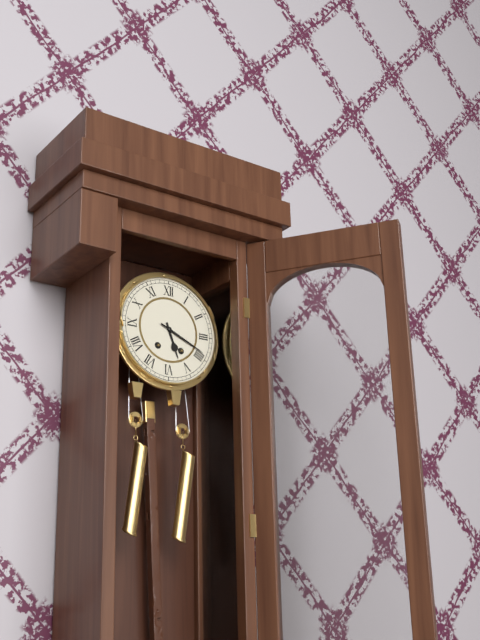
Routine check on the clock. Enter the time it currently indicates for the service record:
5:19
